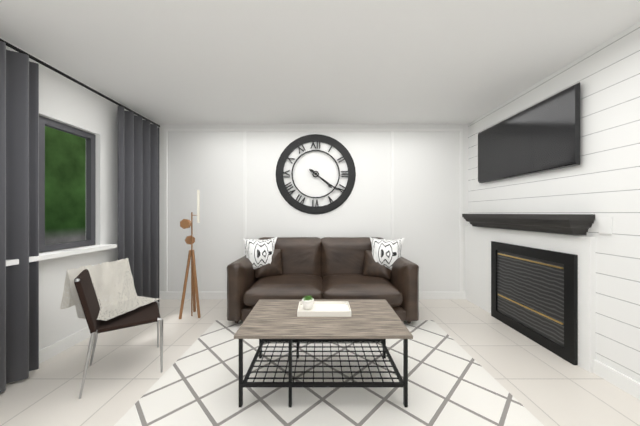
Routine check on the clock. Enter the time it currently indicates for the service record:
4:21
